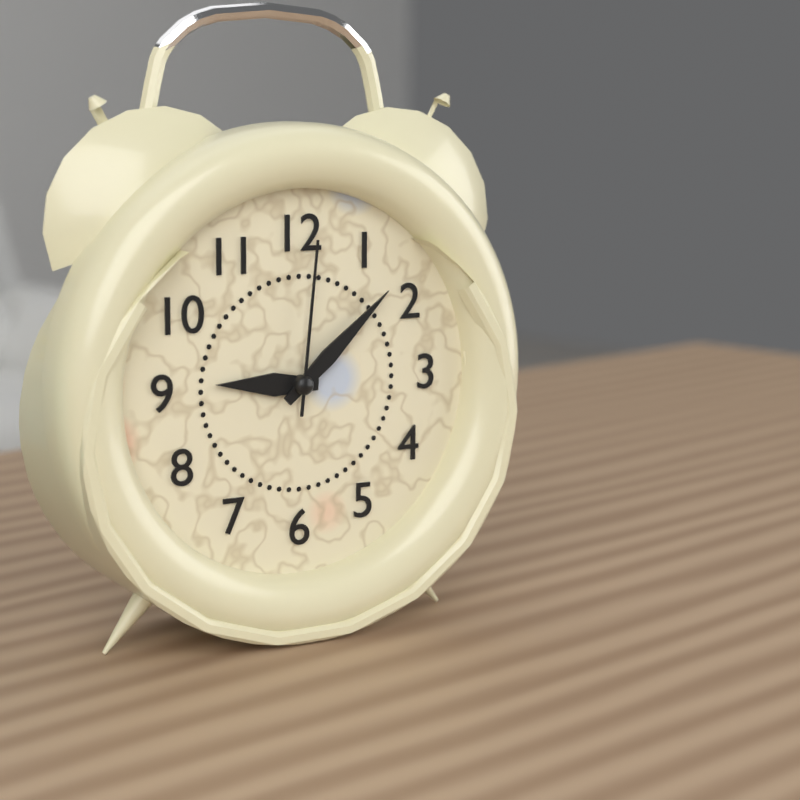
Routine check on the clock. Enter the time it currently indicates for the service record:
9:08:01
